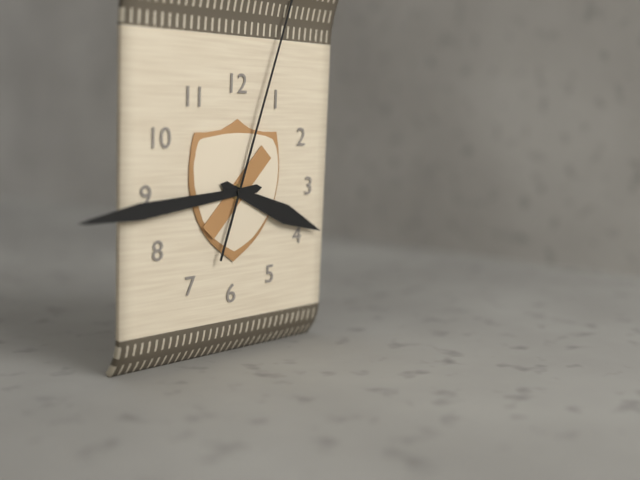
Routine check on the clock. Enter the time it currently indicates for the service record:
3:44
